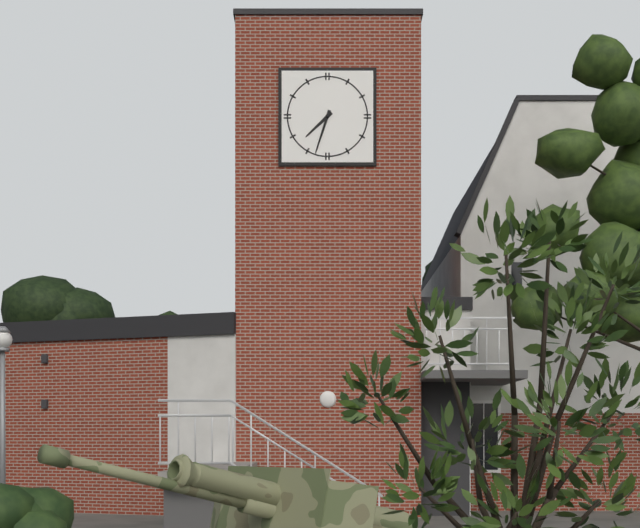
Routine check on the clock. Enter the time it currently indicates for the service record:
7:33
